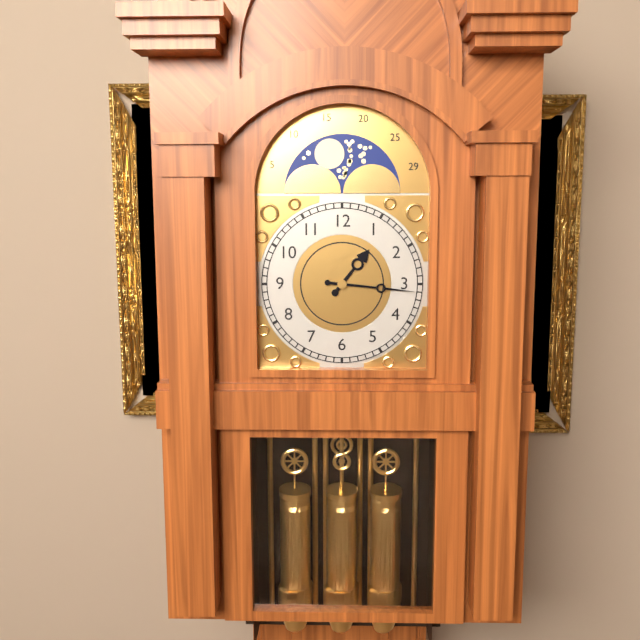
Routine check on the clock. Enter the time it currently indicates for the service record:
1:16
